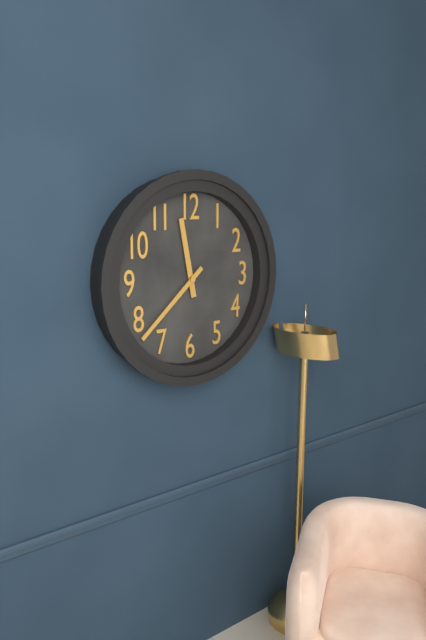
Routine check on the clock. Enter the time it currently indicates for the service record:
11:38
